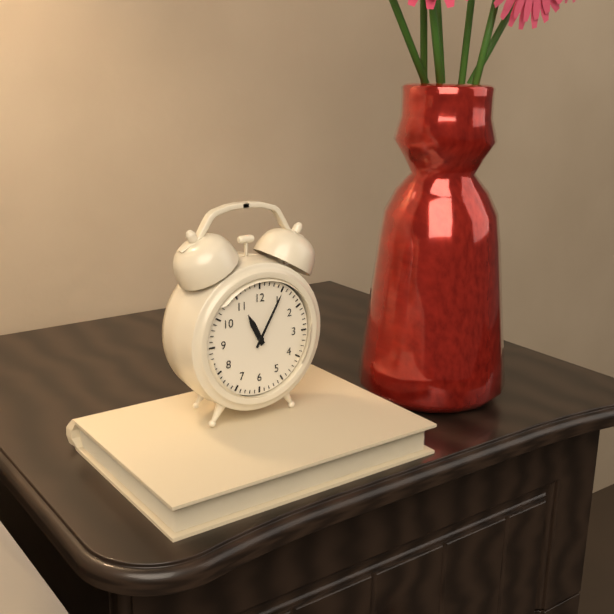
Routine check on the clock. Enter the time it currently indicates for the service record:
11:05
